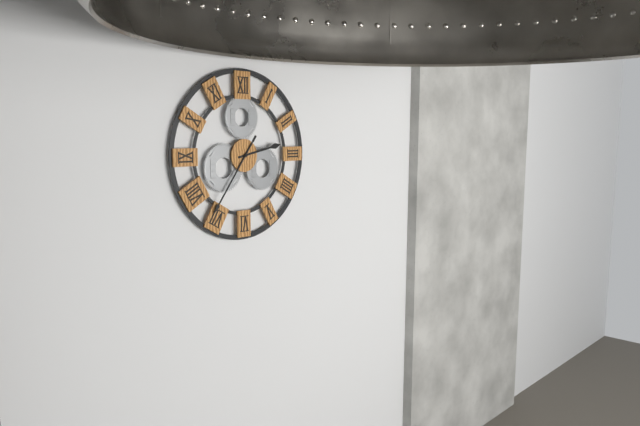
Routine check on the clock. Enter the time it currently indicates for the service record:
2:36
